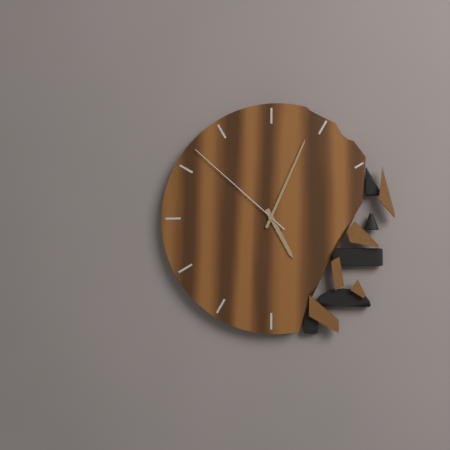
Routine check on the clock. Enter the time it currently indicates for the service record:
5:04:52
